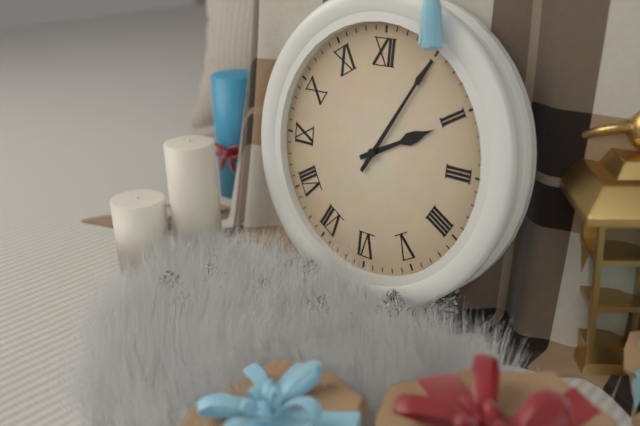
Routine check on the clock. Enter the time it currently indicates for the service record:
2:05
